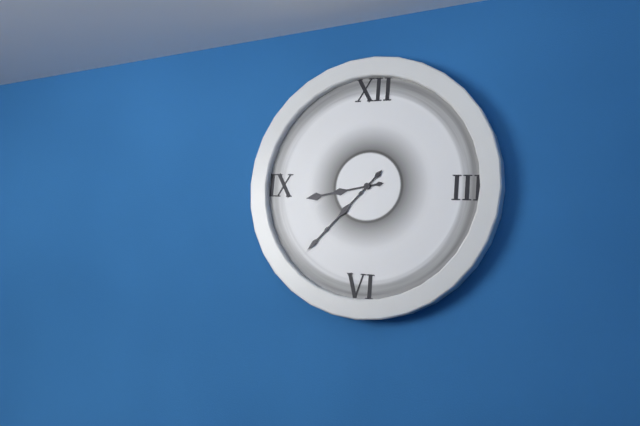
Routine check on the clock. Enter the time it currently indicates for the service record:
8:37
